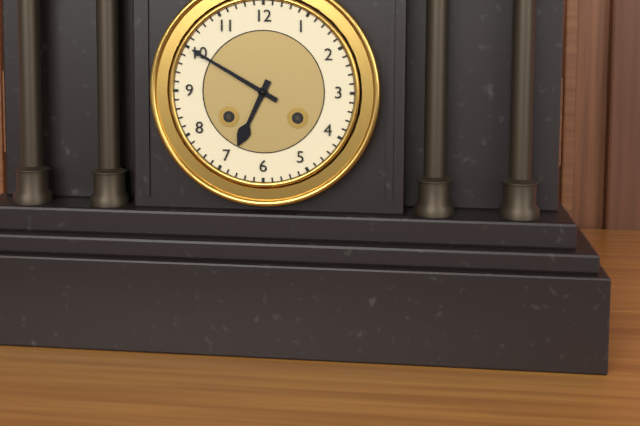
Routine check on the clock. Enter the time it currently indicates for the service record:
6:50
